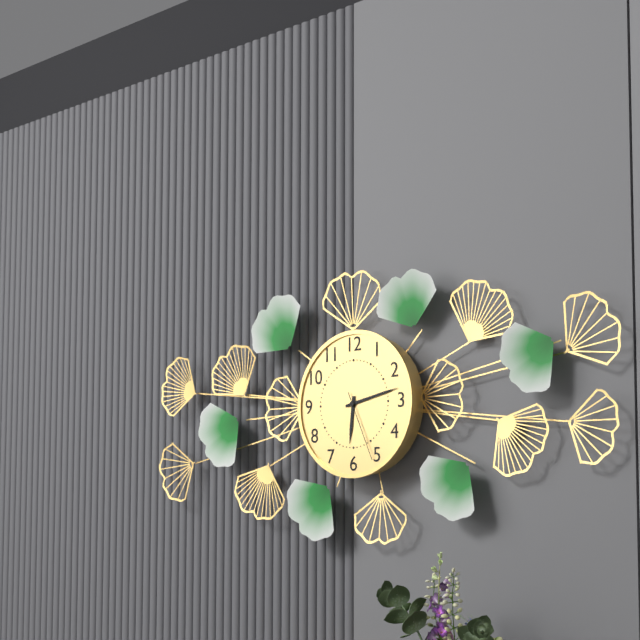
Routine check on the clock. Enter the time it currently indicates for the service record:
6:13:26
